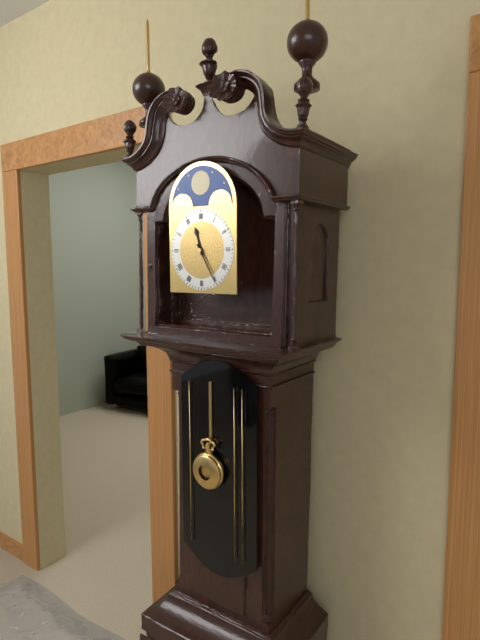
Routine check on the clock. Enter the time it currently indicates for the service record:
11:25
